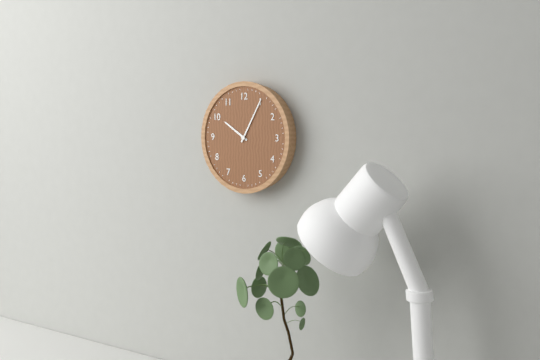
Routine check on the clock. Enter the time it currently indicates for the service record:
10:05
